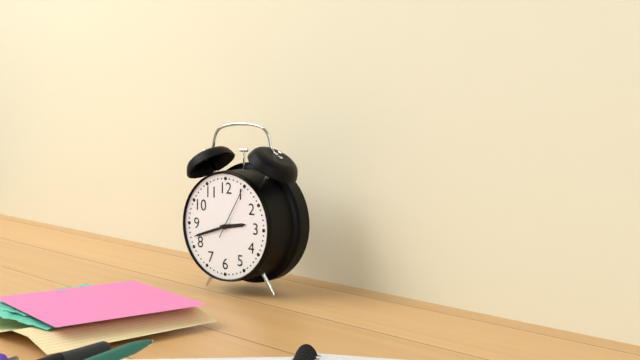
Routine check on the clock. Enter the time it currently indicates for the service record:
2:42
